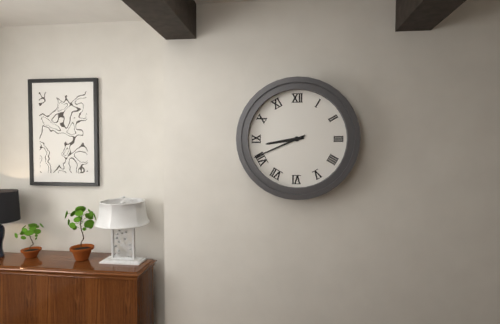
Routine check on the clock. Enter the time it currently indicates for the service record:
8:41
